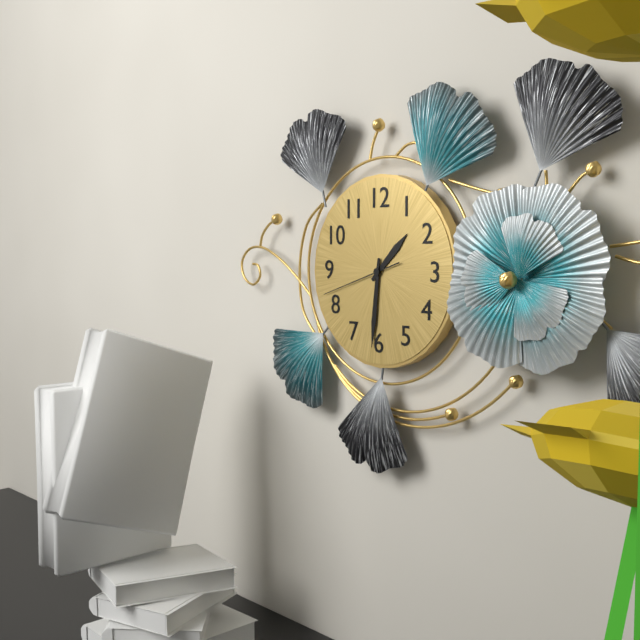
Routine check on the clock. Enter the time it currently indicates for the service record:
1:31:42
